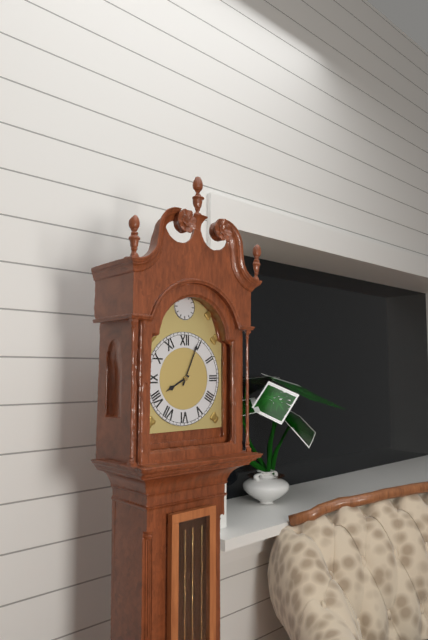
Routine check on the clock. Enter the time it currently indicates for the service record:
8:04
